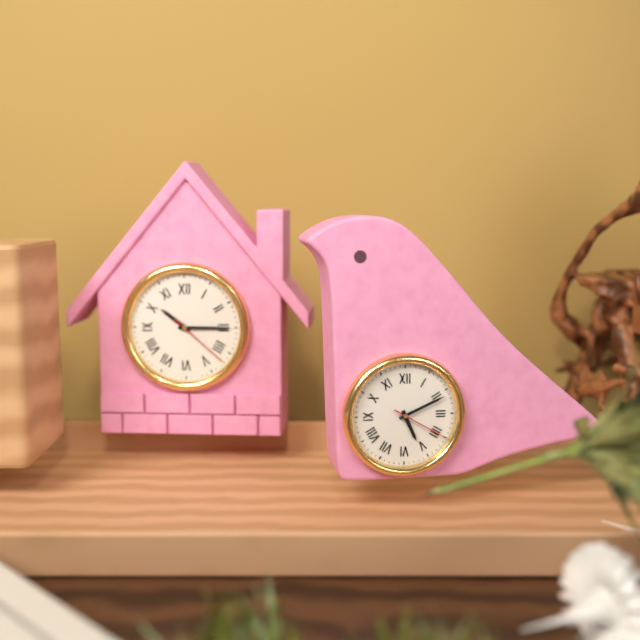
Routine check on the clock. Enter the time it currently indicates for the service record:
5:11:20
